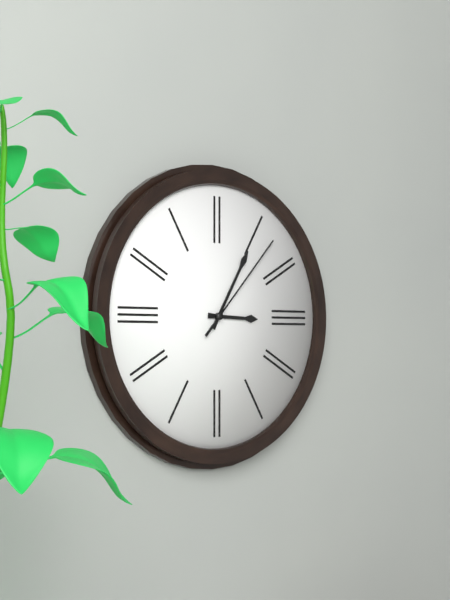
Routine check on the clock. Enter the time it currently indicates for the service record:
3:05:07
